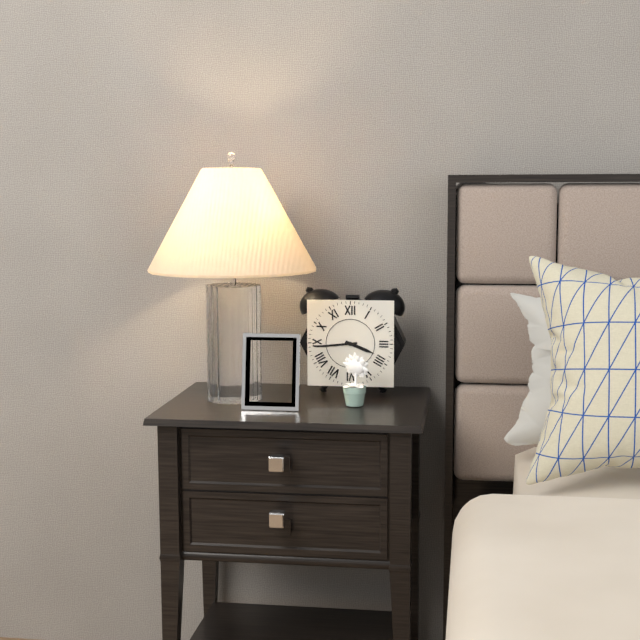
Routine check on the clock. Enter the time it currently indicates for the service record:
3:44
